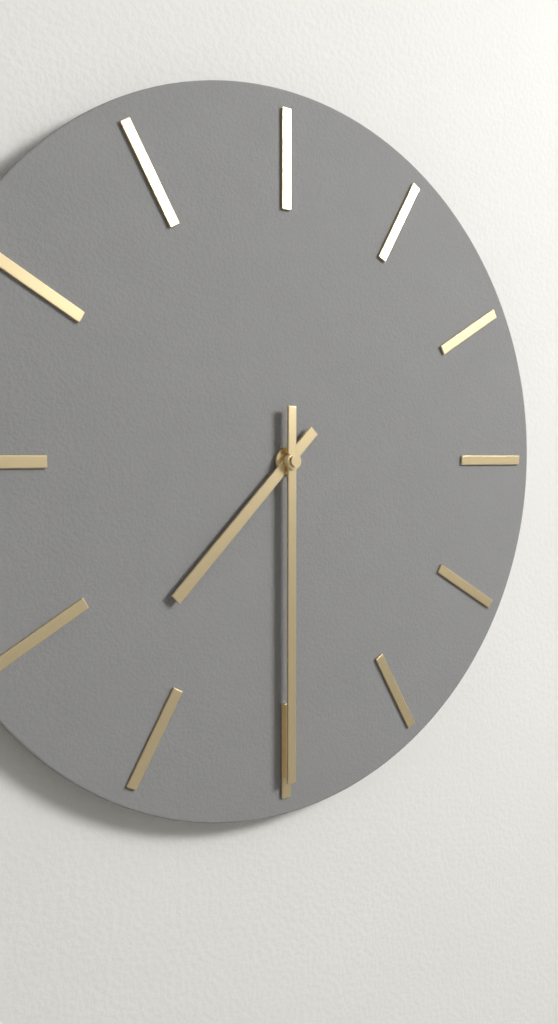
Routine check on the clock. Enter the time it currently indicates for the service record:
7:30
